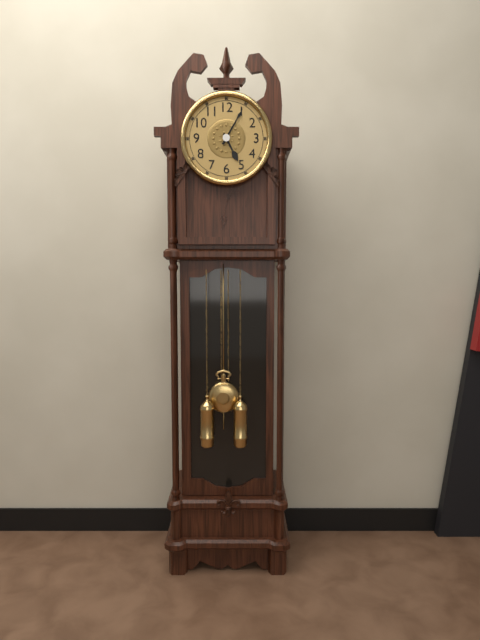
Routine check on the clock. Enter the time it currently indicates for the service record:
5:05
